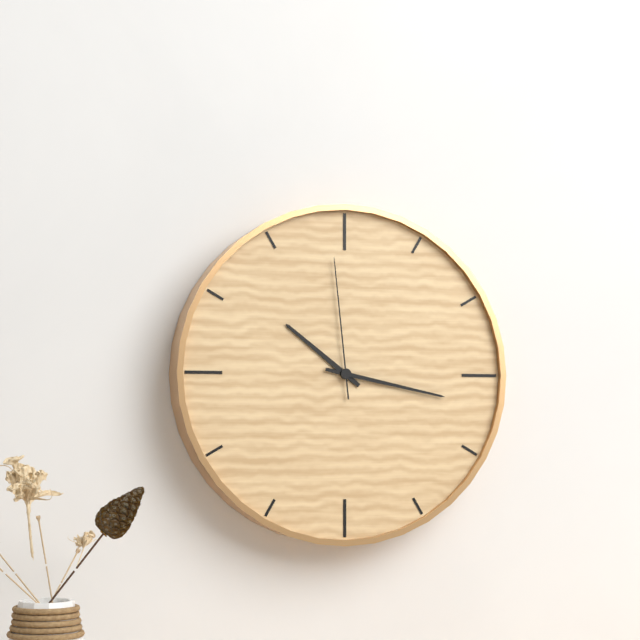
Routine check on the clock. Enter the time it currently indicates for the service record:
10:17:59
